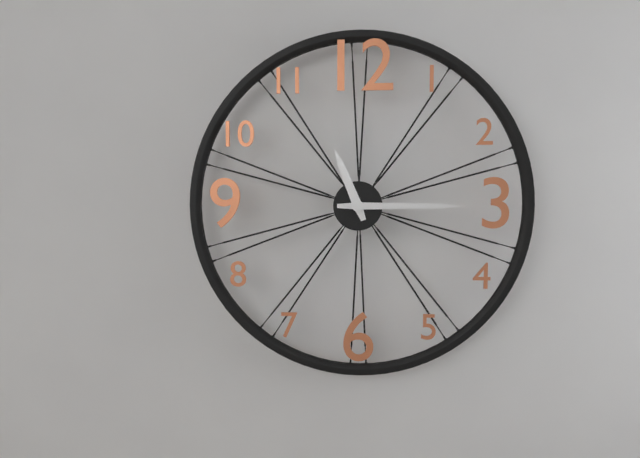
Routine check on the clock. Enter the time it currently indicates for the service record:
11:15
